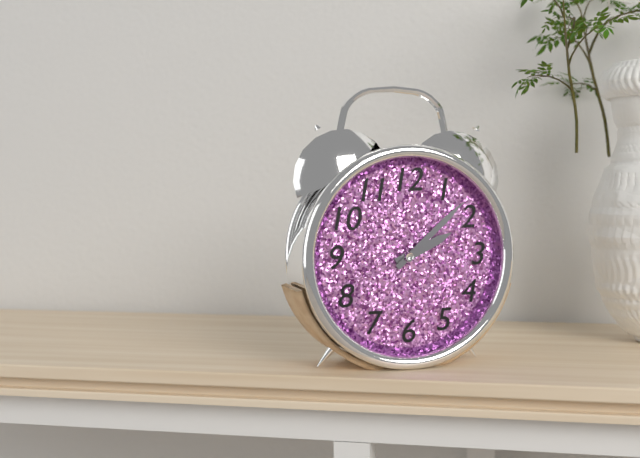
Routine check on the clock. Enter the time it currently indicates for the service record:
2:08
